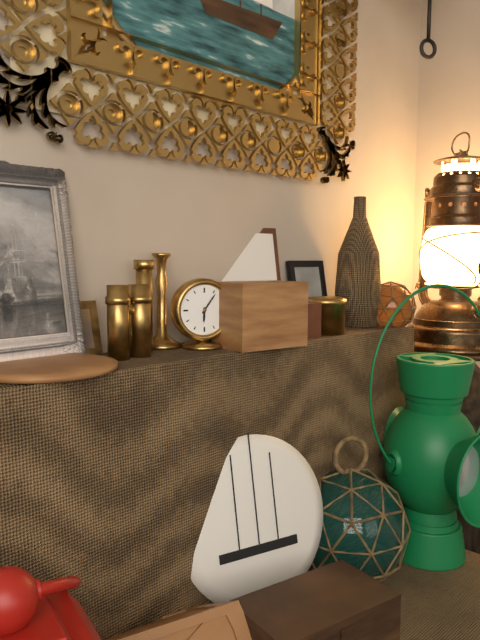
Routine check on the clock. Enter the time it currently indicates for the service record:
6:06
